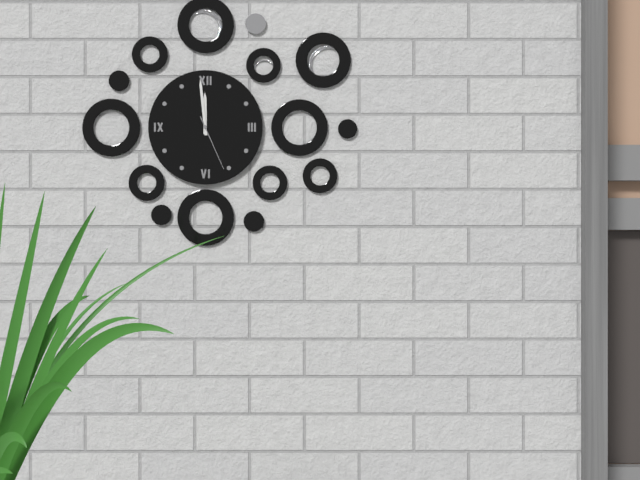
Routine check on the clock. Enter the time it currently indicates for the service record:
11:59:26
